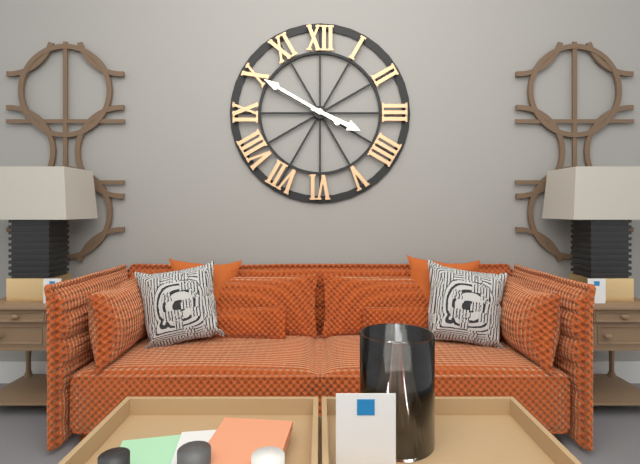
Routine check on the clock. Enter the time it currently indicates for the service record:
3:50
